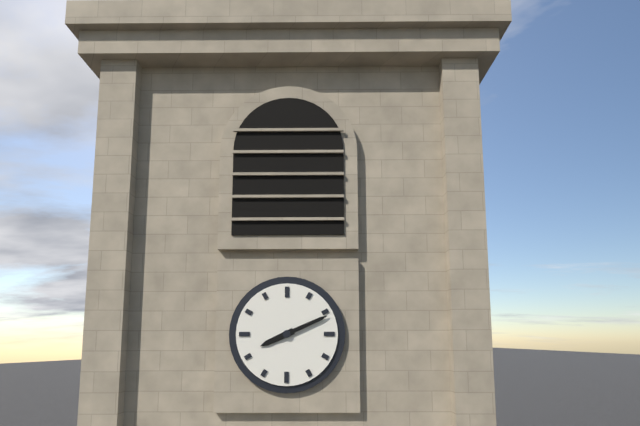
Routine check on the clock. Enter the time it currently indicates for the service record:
8:11
